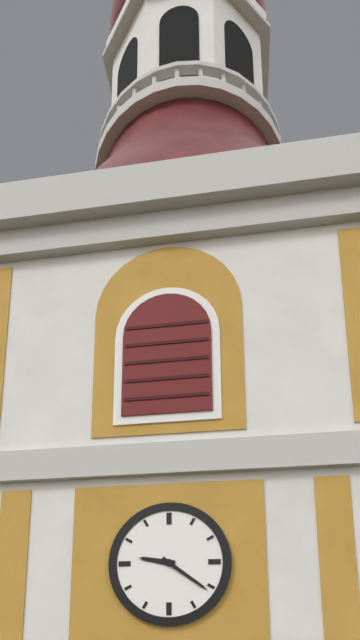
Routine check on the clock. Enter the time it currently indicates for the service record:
9:21
